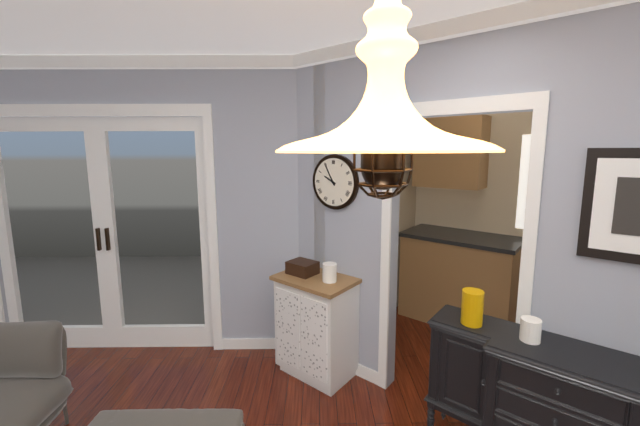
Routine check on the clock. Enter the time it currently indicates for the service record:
9:55
